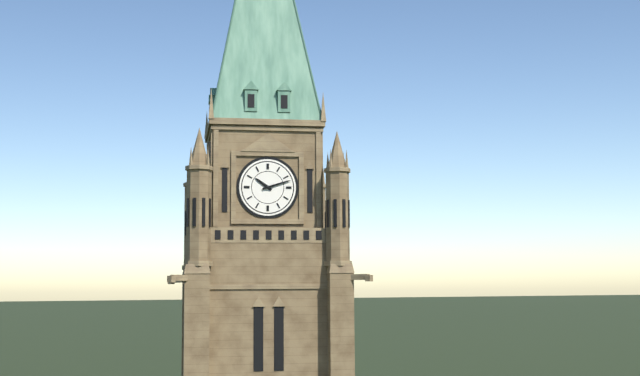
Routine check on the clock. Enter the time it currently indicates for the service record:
10:12
